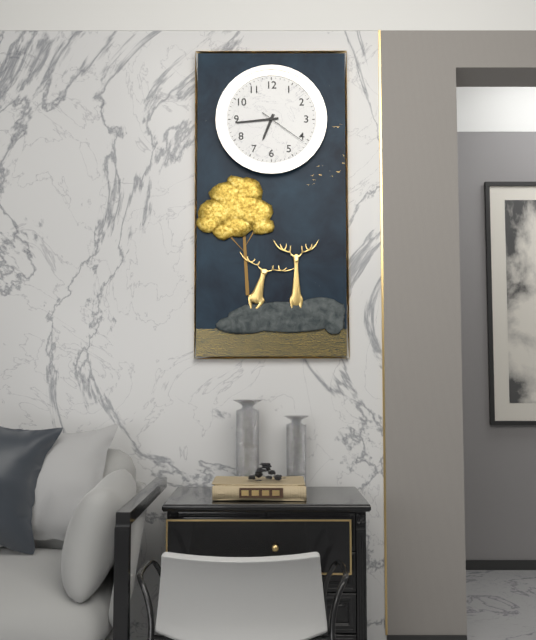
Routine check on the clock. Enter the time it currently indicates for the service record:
6:44
